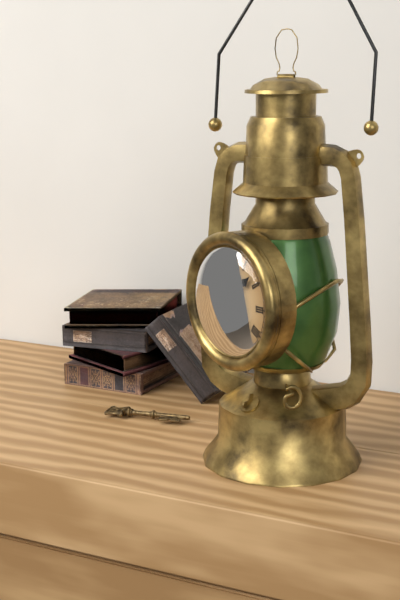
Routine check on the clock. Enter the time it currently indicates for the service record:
10:08
